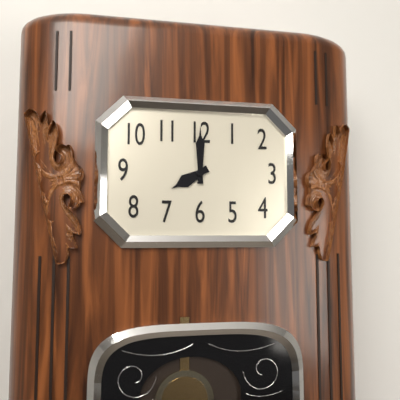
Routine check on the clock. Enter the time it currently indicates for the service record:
8:00
